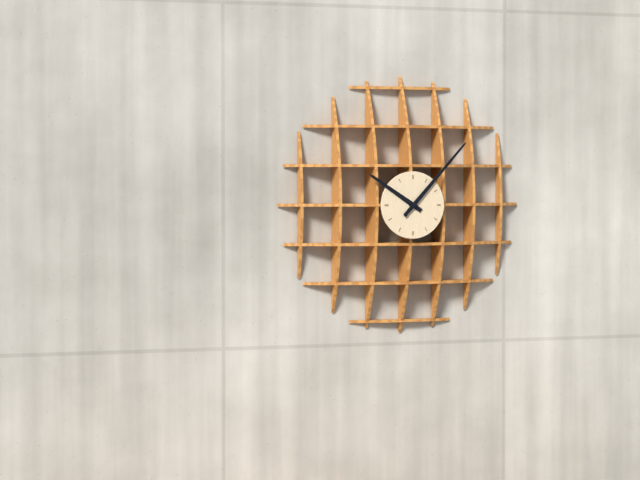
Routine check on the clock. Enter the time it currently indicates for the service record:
10:07
